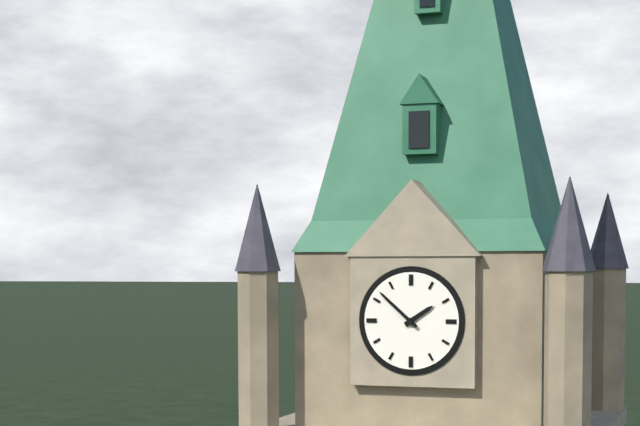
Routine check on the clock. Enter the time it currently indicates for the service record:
1:52
